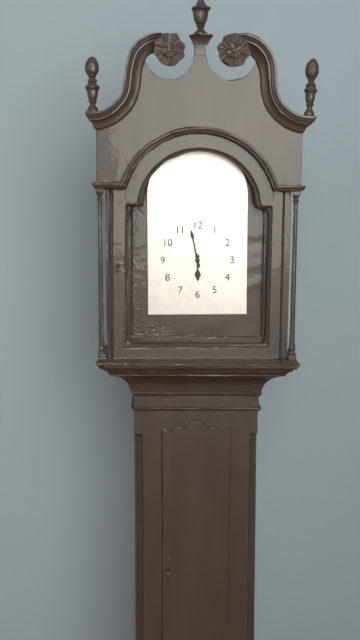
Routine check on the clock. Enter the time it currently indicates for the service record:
5:58
